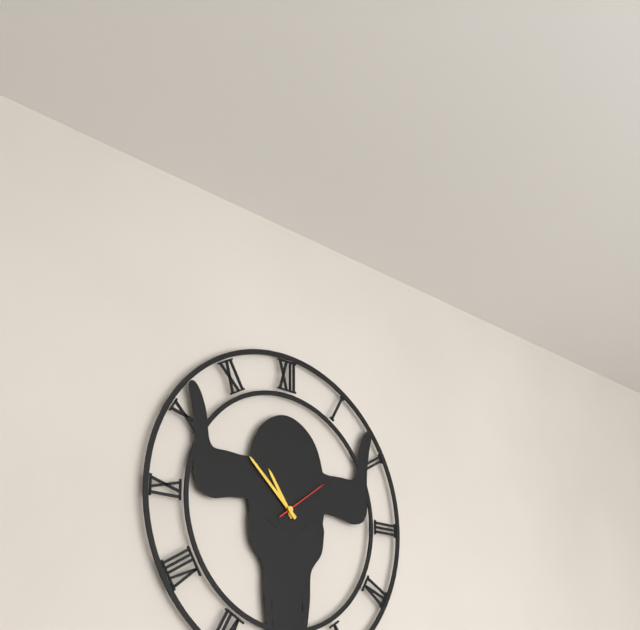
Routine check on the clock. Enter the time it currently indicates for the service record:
10:52:09
